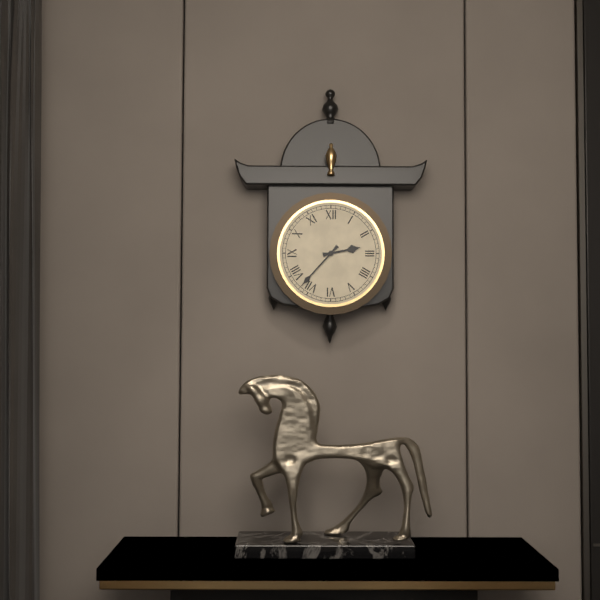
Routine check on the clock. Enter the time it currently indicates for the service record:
2:37
